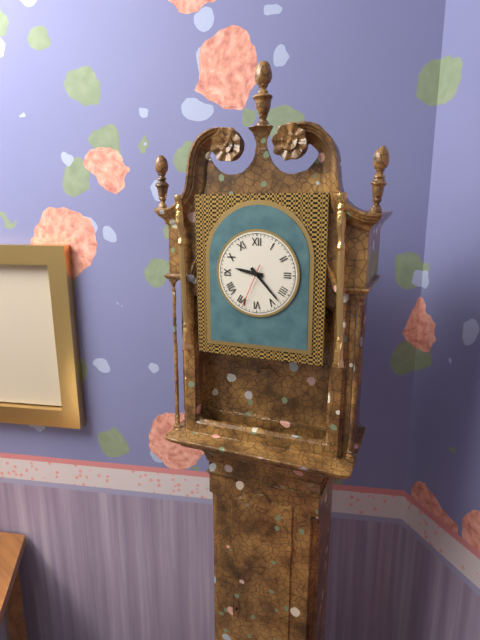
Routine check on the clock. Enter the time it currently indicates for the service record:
9:23
